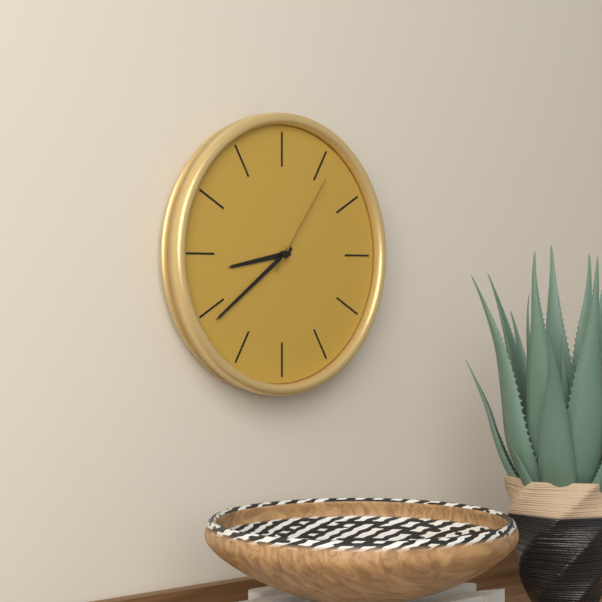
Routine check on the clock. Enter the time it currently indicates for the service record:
8:39:06
